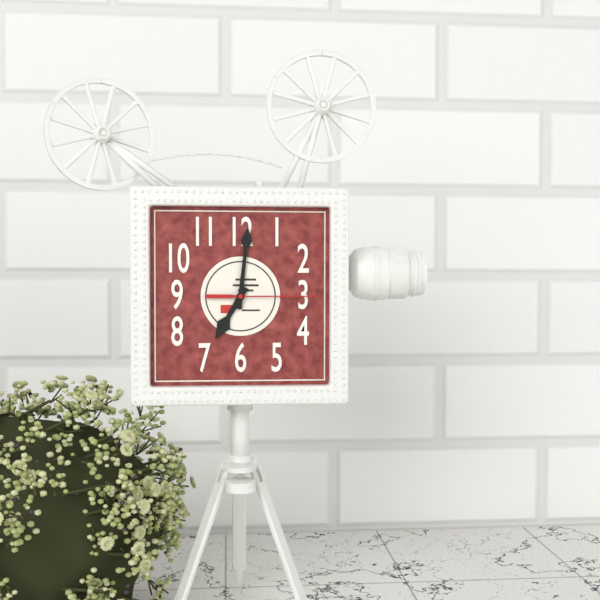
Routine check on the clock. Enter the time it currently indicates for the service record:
7:01:15
